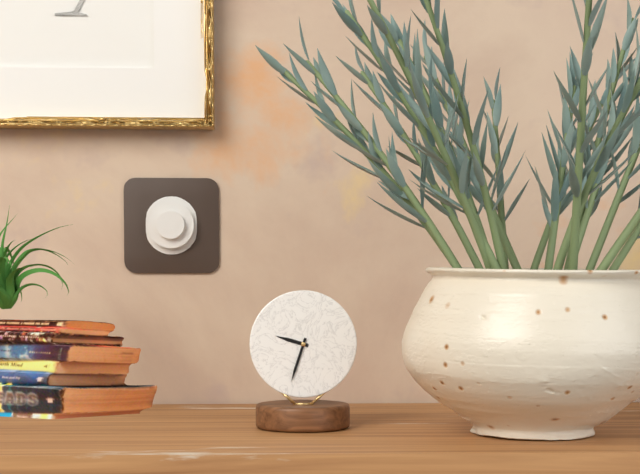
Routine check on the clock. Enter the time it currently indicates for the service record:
9:33
